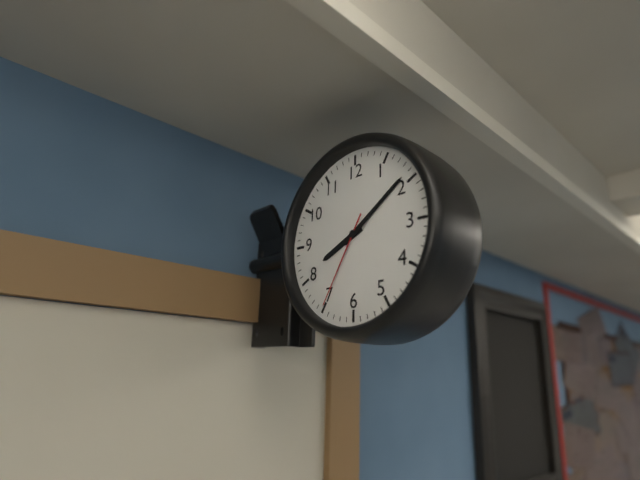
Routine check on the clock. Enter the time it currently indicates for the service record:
8:09:35
